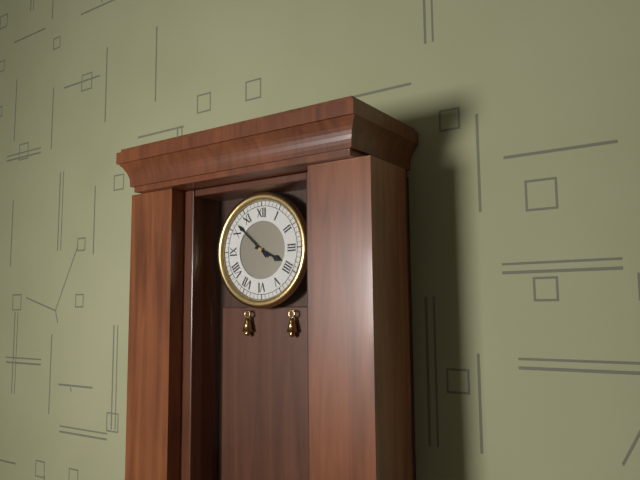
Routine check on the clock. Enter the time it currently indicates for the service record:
3:52
